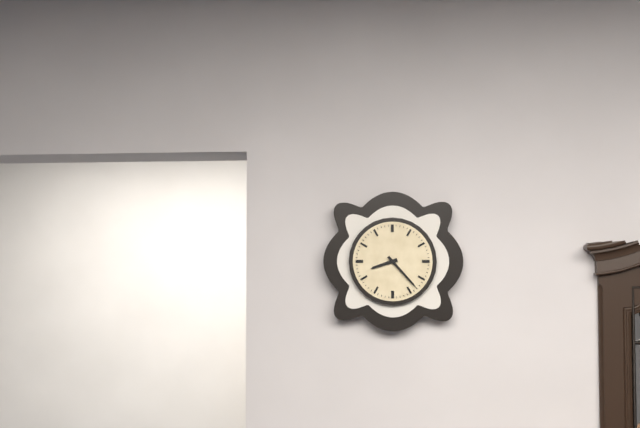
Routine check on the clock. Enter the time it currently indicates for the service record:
8:23
